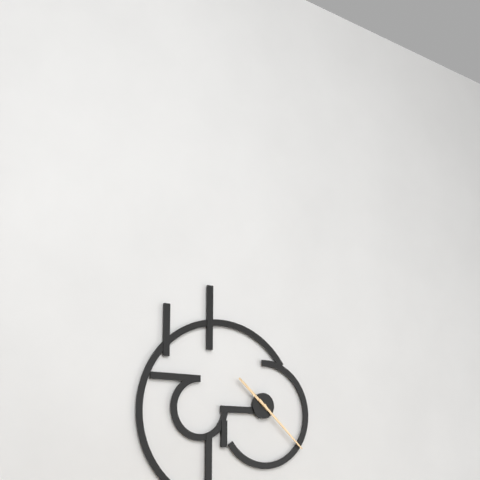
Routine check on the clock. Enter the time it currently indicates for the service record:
10:22
